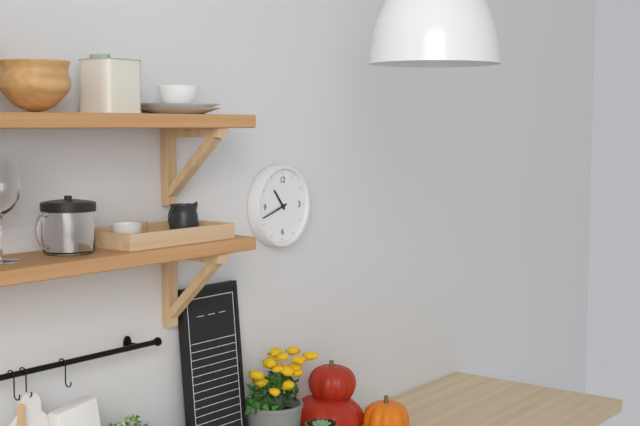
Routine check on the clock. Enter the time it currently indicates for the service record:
10:42
